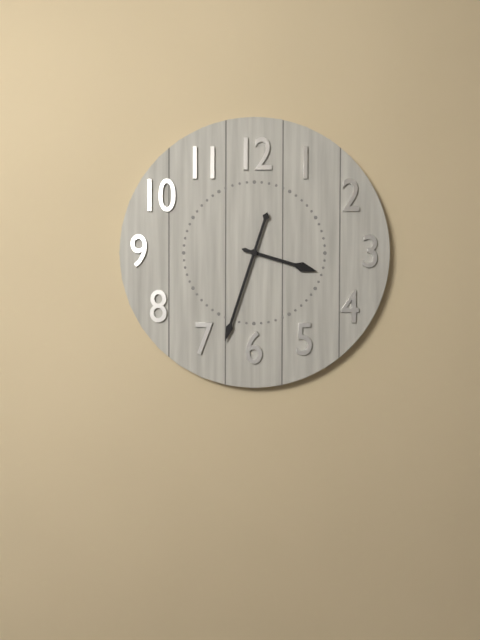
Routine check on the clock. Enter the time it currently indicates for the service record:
3:33
